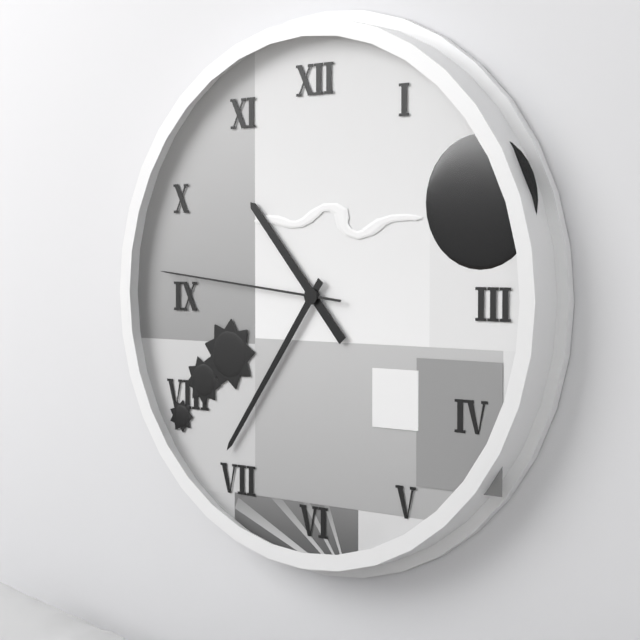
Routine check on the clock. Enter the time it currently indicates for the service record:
10:36:46
